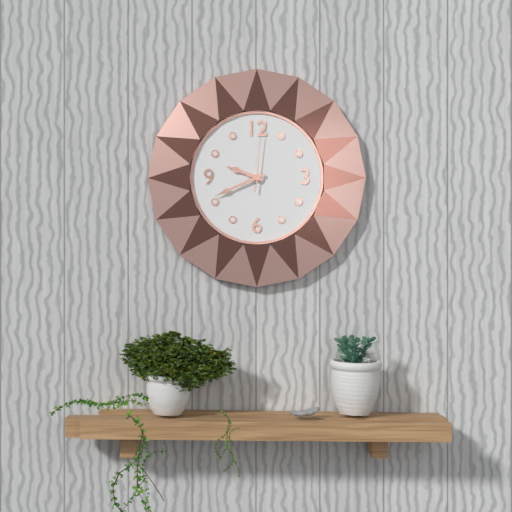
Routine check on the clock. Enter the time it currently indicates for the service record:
9:41:01
